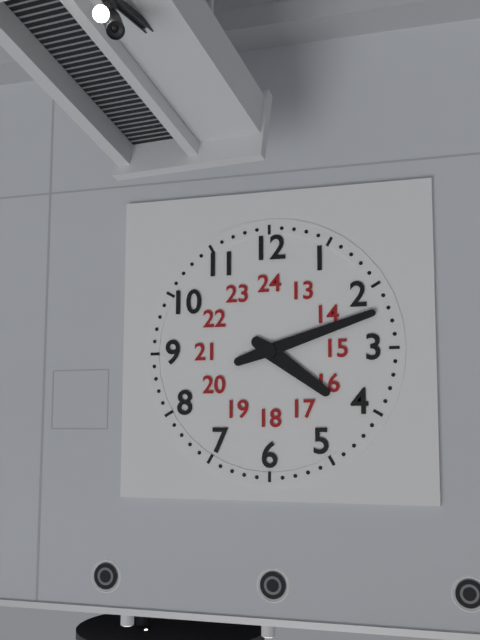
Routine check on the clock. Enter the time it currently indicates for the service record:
4:12
